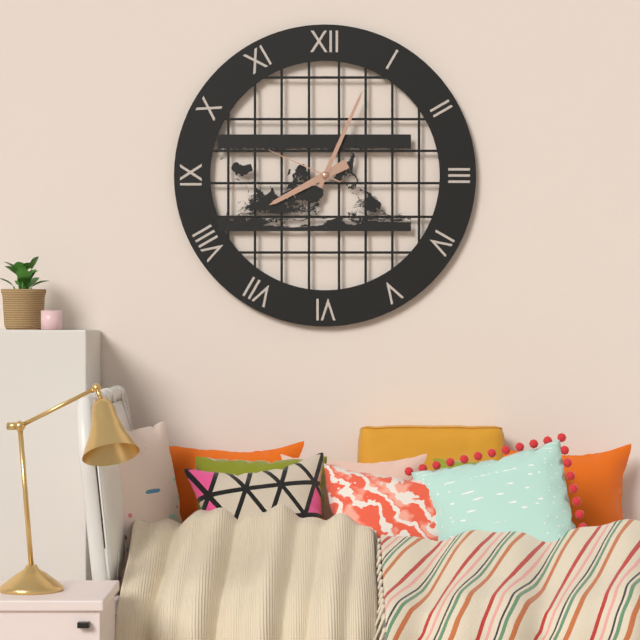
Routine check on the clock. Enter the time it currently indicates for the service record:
8:04:49
